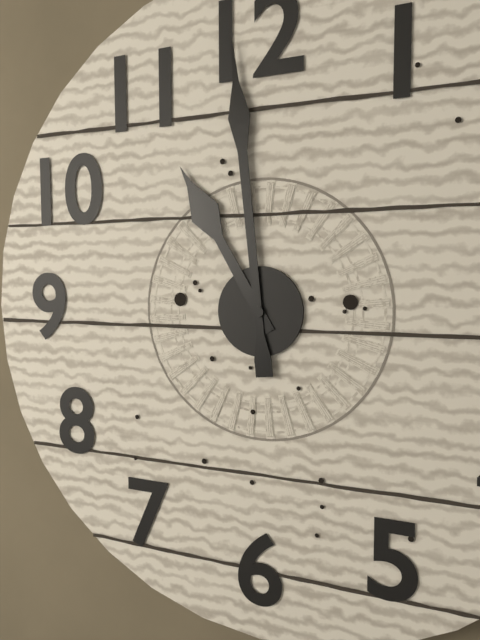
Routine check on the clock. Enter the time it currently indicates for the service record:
10:59
